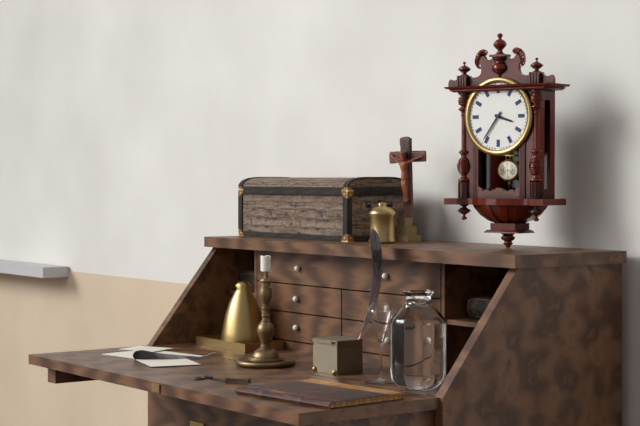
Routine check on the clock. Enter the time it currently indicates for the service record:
3:36
